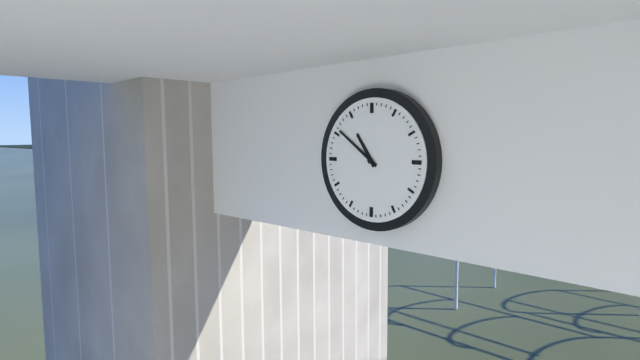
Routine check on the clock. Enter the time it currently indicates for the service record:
10:51
